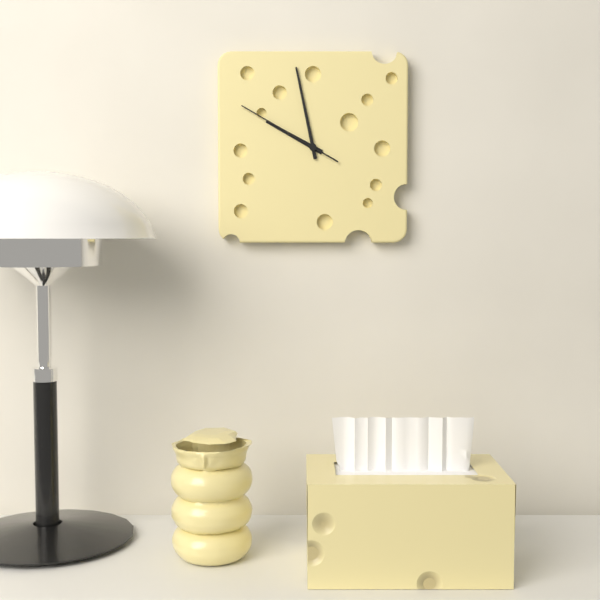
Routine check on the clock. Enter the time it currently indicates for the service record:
9:58:50
